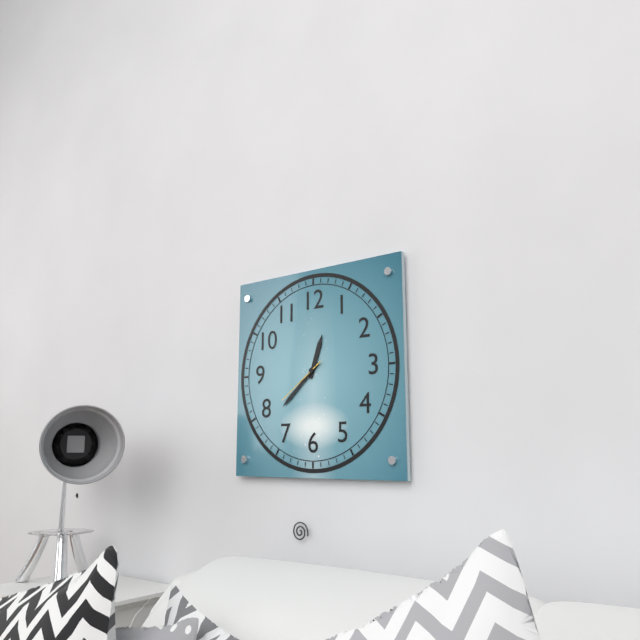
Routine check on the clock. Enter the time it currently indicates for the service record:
12:38:39
